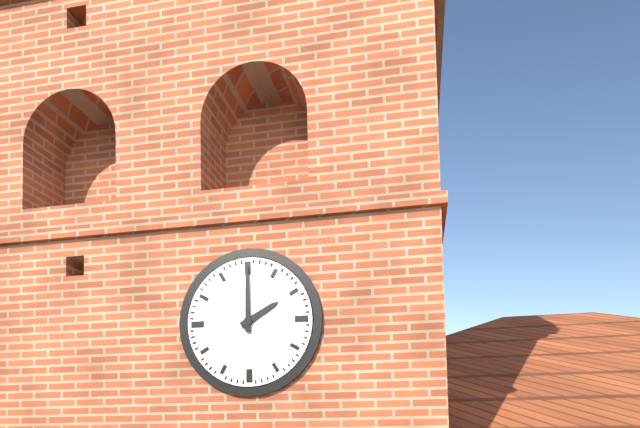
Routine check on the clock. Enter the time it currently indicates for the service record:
2:00
